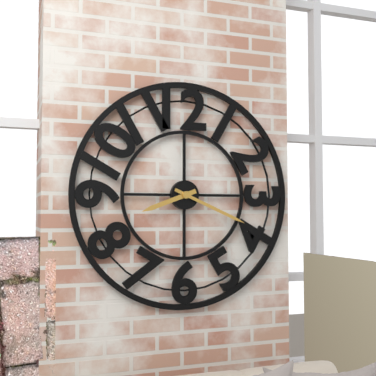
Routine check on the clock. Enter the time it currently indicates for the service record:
8:19
